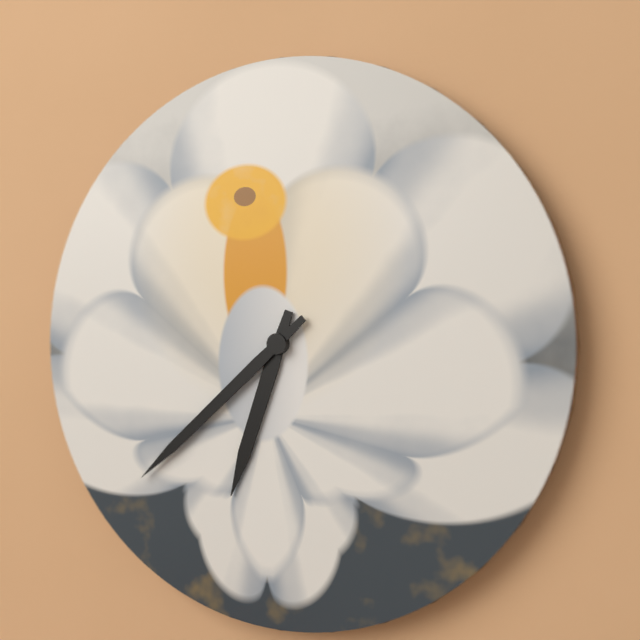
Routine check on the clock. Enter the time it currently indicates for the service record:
6:38
